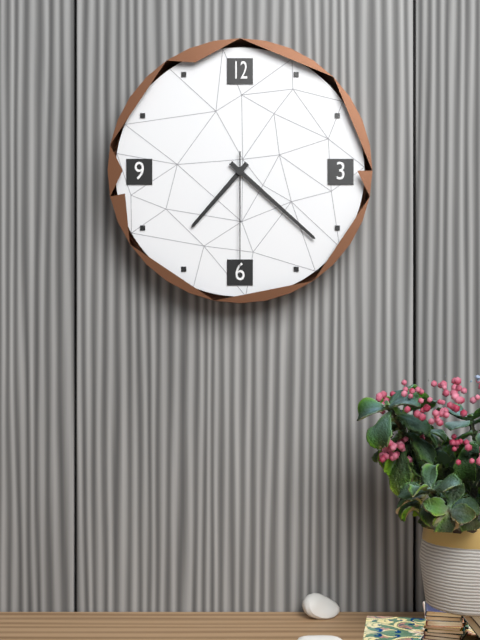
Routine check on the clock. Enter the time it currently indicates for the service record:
7:22:30
